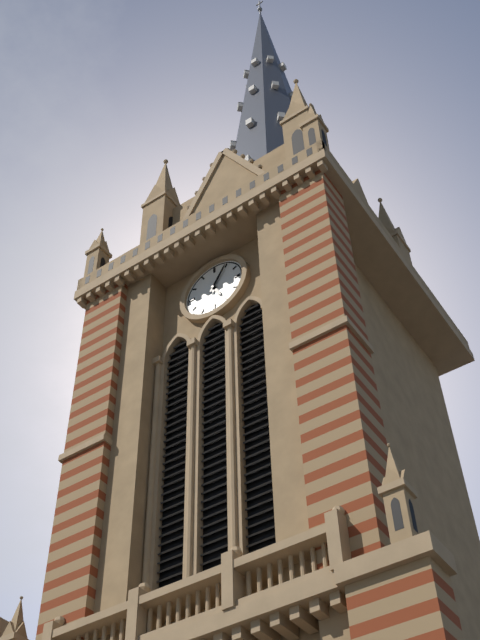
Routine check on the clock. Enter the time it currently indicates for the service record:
5:05
